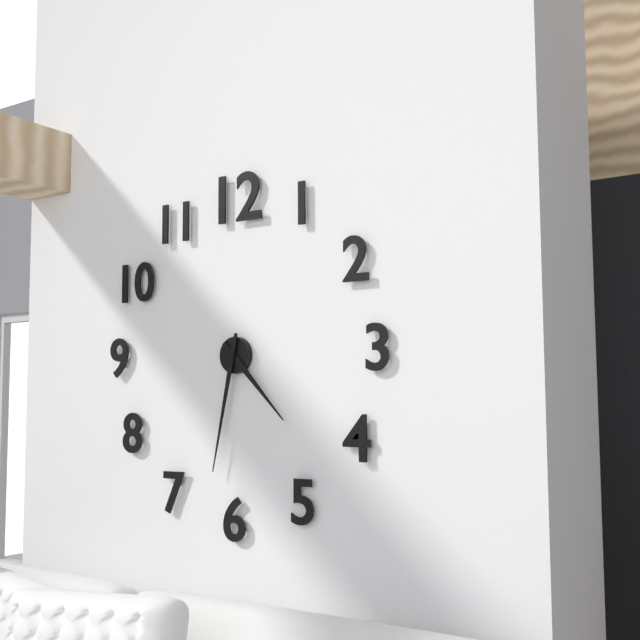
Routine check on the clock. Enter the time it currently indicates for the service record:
4:32
